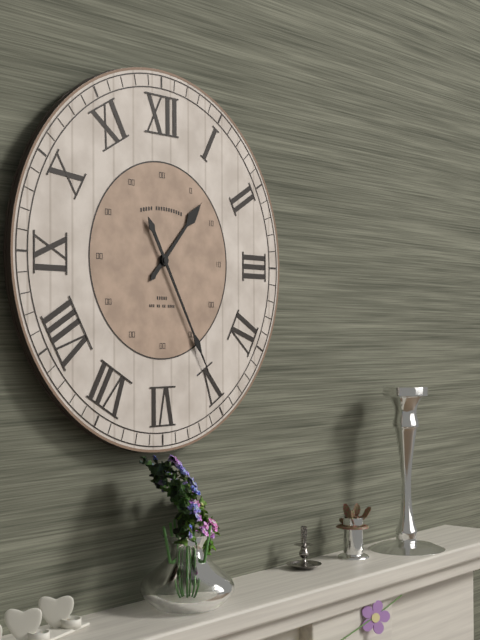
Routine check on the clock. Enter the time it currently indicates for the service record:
1:25
